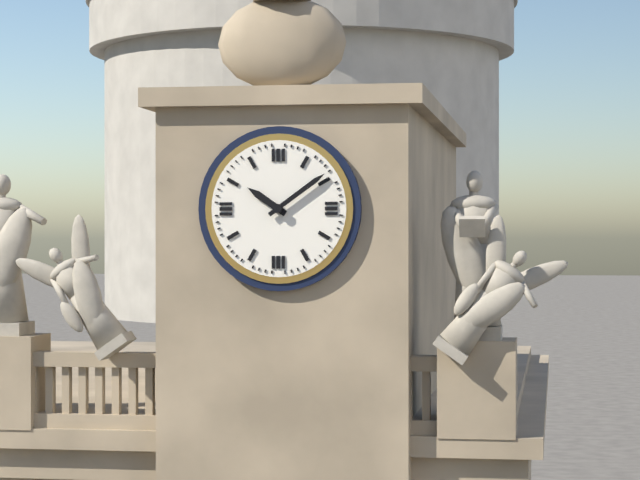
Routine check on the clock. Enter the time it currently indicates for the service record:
10:09
